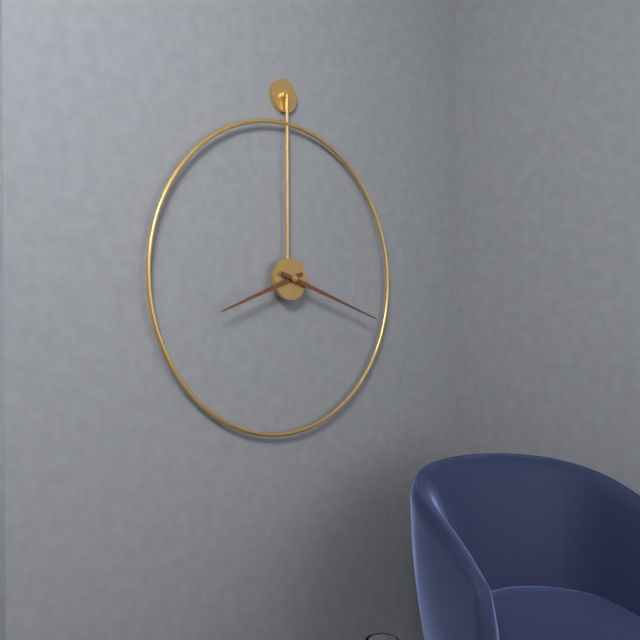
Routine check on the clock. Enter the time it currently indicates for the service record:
8:18
